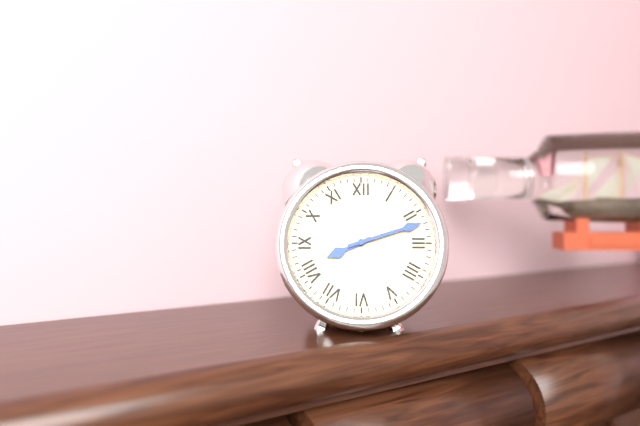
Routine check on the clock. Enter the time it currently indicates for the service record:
8:12
